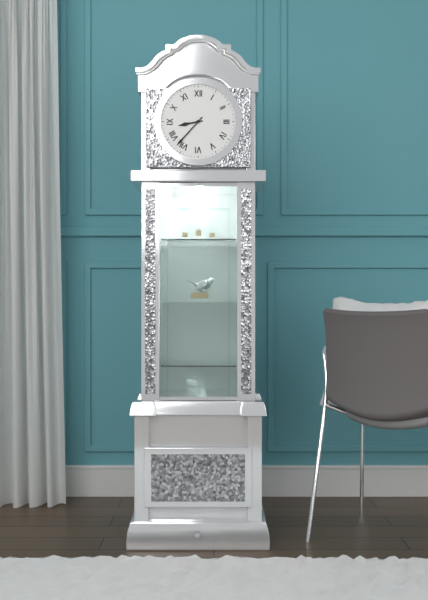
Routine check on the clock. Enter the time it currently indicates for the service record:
8:37
